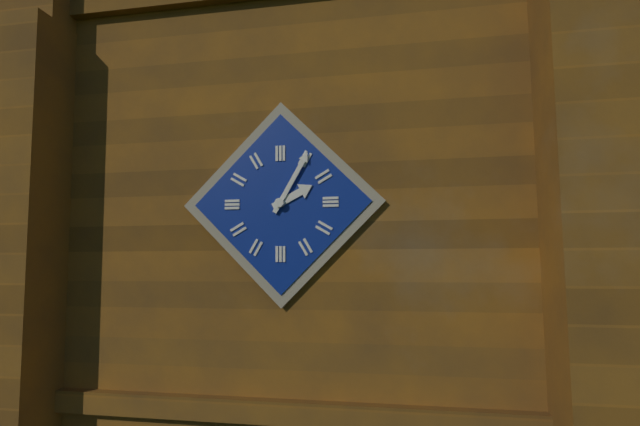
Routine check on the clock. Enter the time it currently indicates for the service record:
2:05
